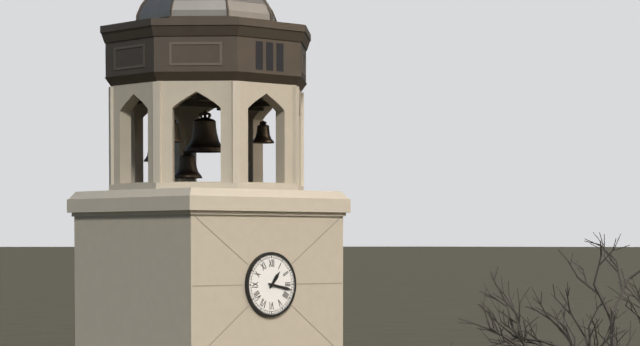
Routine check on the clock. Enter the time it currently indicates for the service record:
1:17
